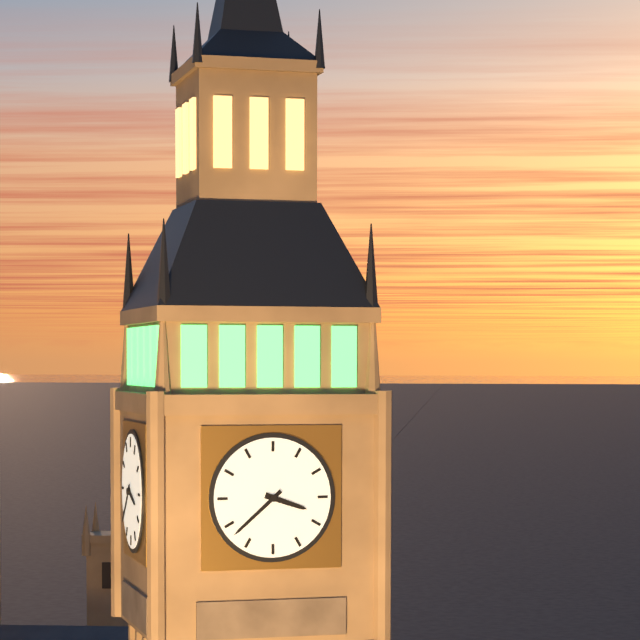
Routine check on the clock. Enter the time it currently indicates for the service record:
3:38
